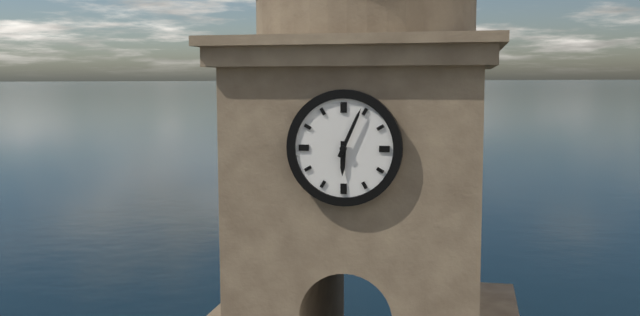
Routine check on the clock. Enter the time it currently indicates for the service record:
6:04
